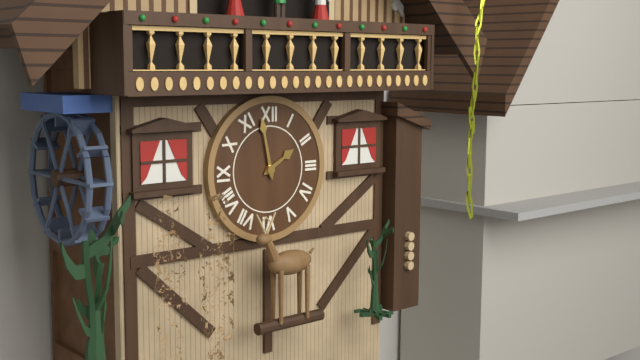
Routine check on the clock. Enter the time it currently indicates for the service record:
1:58
